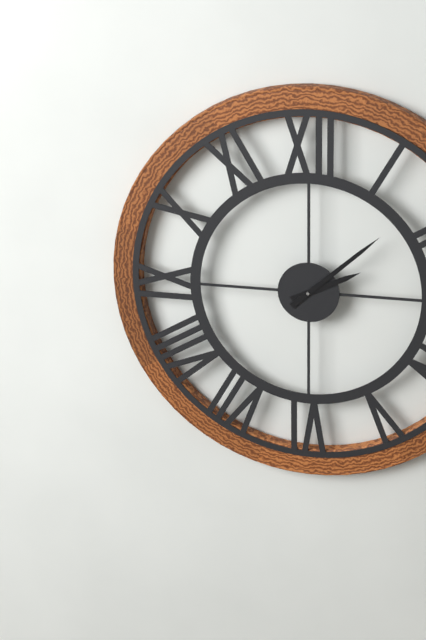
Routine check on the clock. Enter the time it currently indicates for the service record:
2:08
